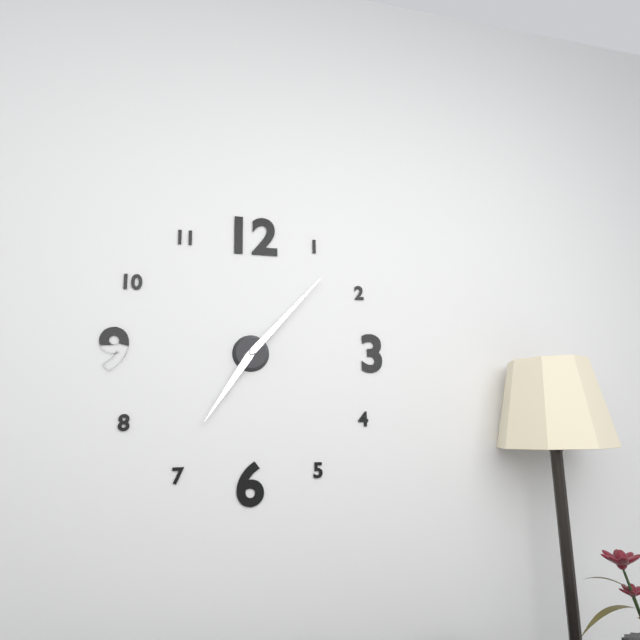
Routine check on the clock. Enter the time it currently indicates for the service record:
7:07
